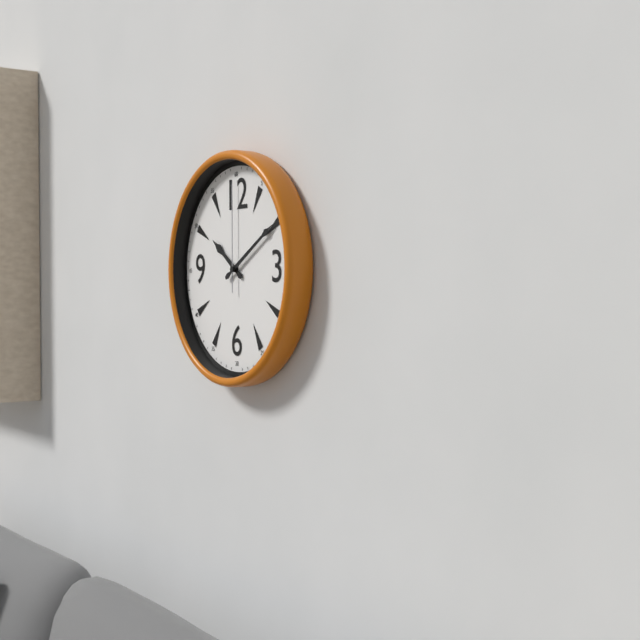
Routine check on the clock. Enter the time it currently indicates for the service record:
10:10:00
